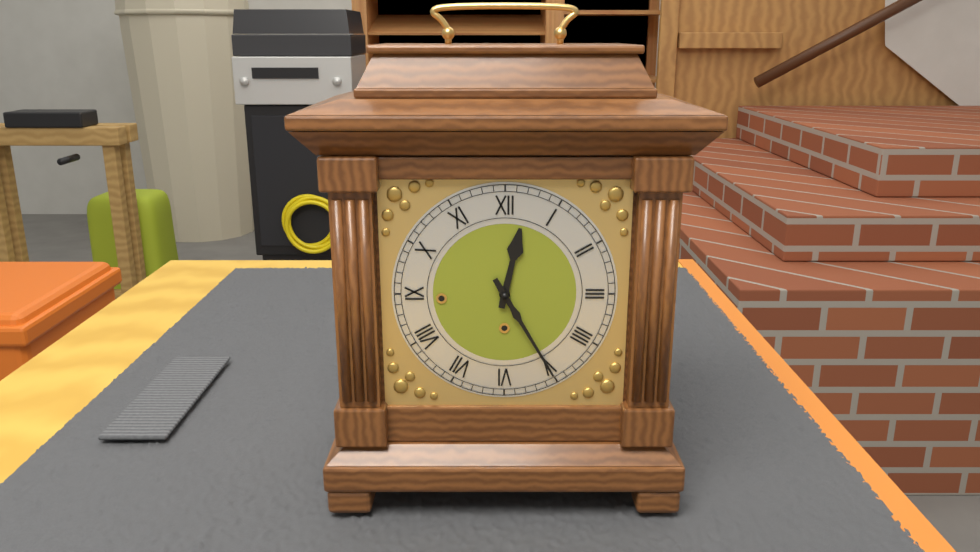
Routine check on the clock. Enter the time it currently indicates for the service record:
12:25
